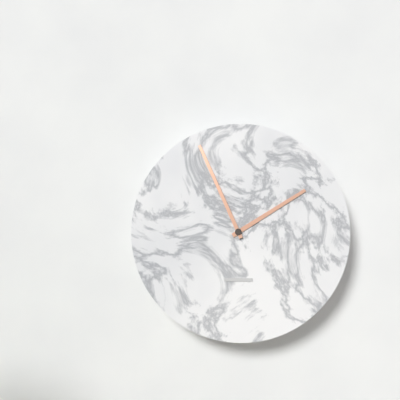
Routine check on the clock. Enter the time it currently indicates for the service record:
1:56
